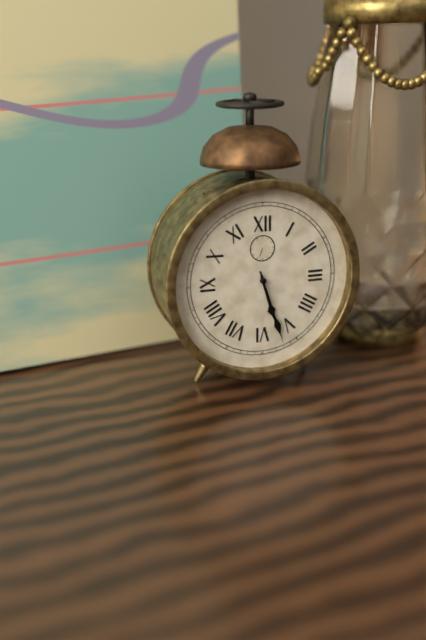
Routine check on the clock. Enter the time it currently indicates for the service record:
5:27
